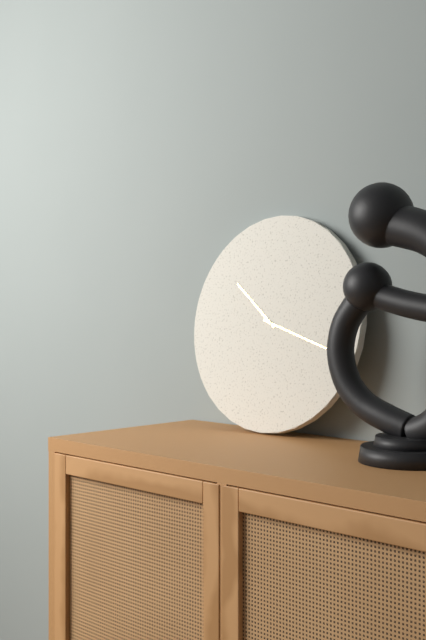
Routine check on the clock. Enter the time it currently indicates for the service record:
10:18
